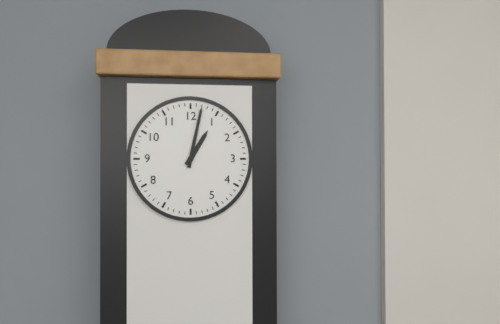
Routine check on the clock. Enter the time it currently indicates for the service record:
1:02
